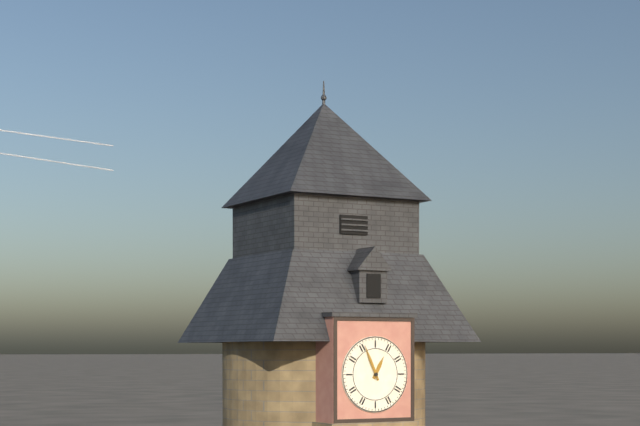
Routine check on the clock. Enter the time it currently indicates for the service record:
12:56
